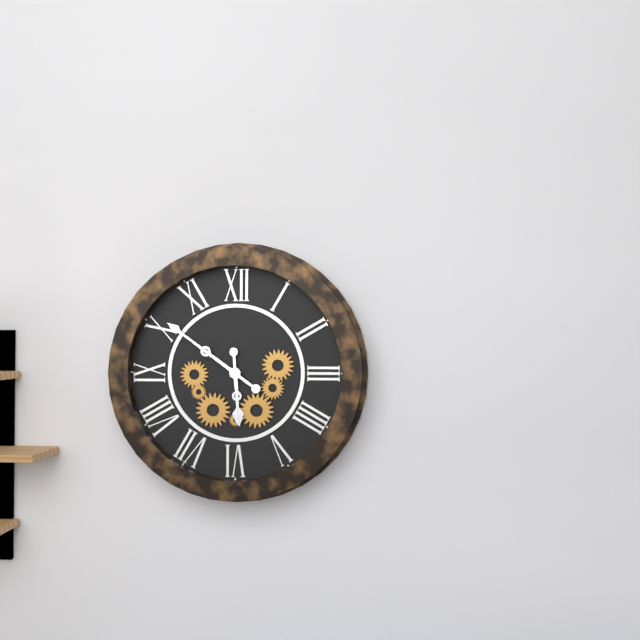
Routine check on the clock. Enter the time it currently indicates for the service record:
5:51
